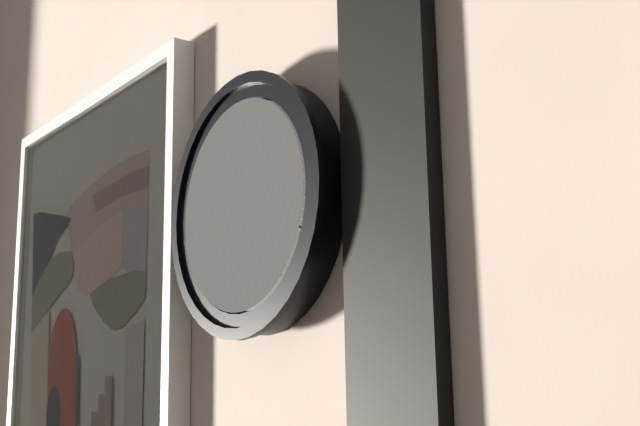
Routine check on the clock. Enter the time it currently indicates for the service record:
3:19:55
